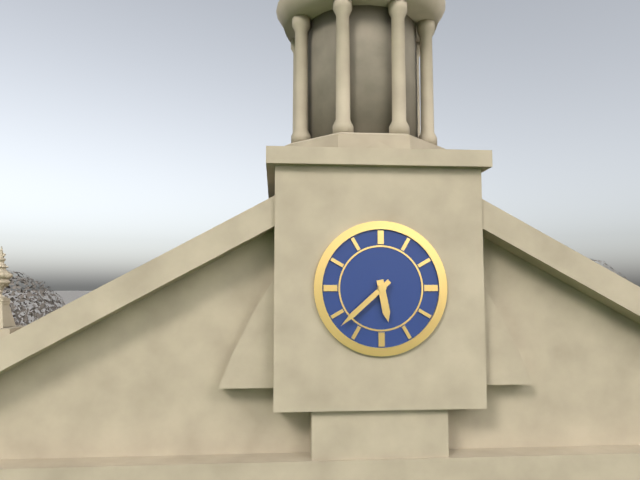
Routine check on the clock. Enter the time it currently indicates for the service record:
5:38
